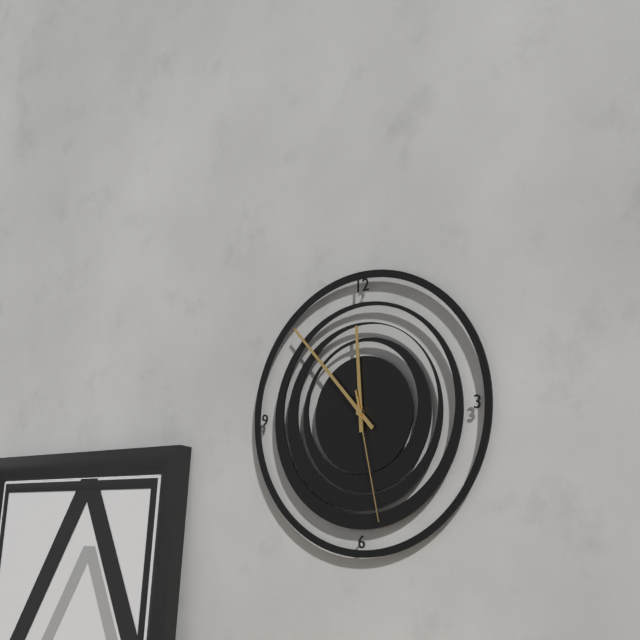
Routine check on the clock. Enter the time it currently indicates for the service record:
11:53:28
